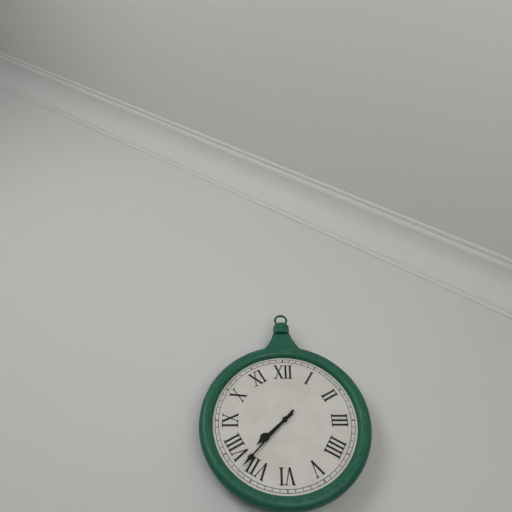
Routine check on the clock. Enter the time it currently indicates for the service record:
7:37
